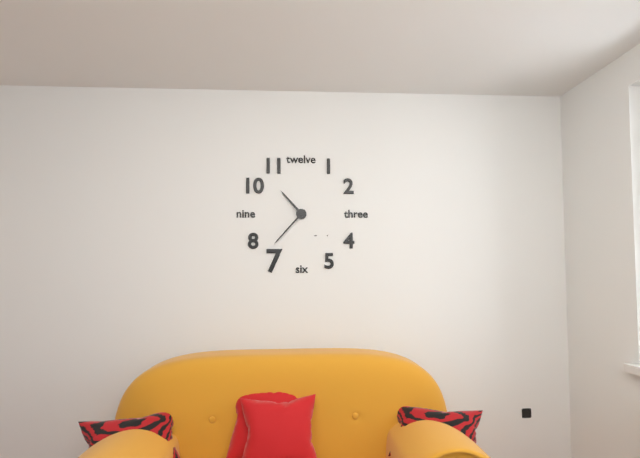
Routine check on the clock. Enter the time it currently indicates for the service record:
10:37
